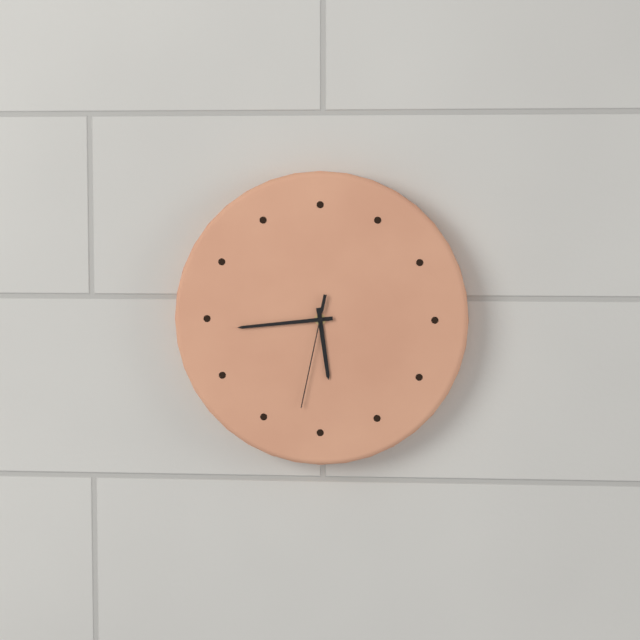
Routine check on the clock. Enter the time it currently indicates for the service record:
5:44:32
